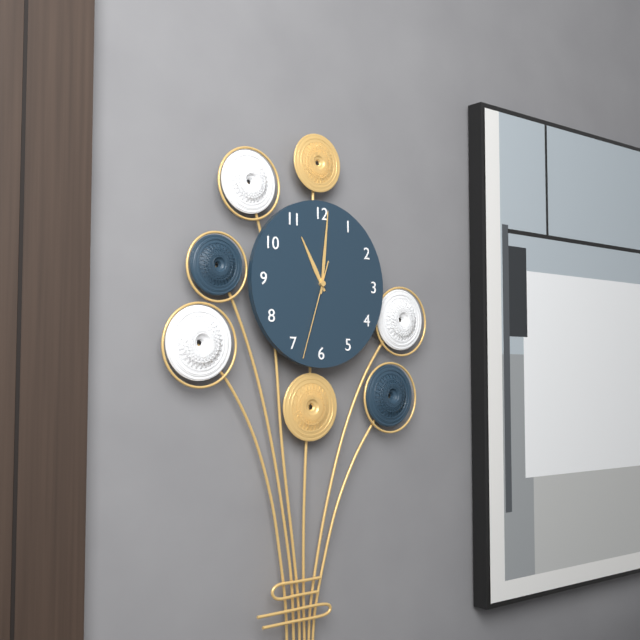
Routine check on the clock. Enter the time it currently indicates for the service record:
11:01:33
